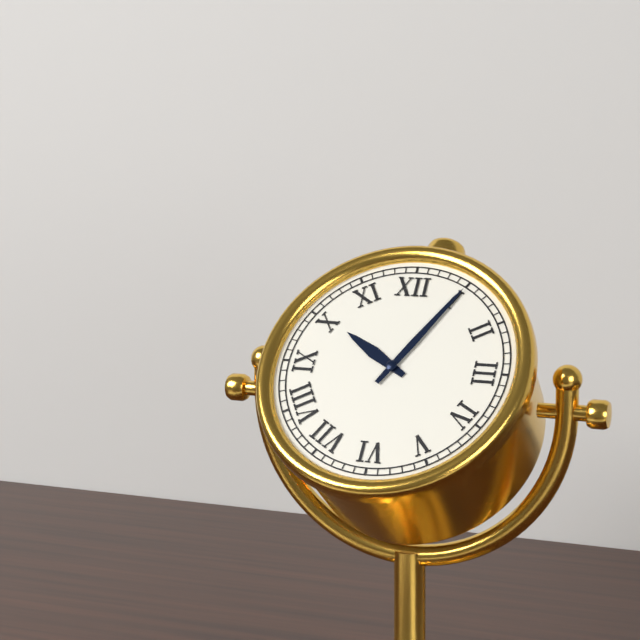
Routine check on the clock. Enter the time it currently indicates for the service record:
10:05
